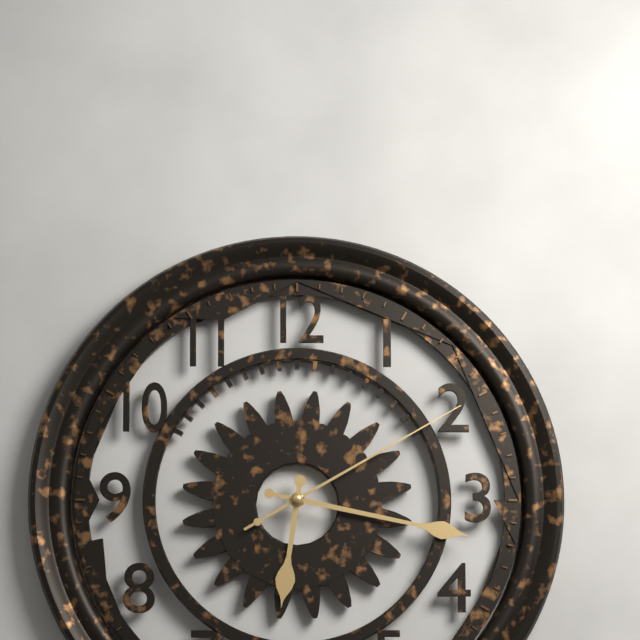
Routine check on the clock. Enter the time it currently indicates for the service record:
6:17:10
